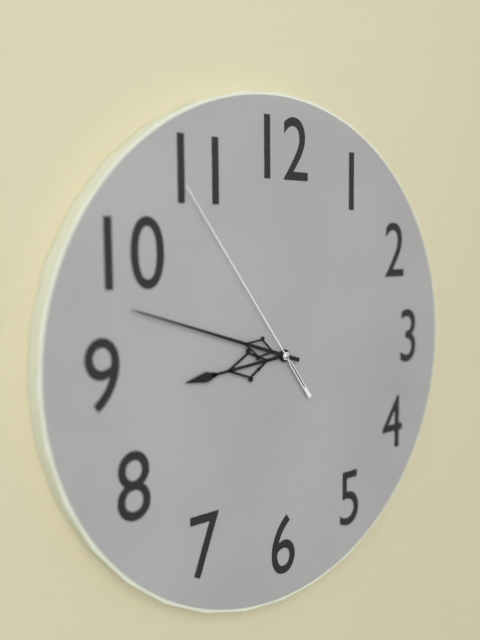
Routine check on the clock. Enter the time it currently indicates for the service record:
8:48:54
